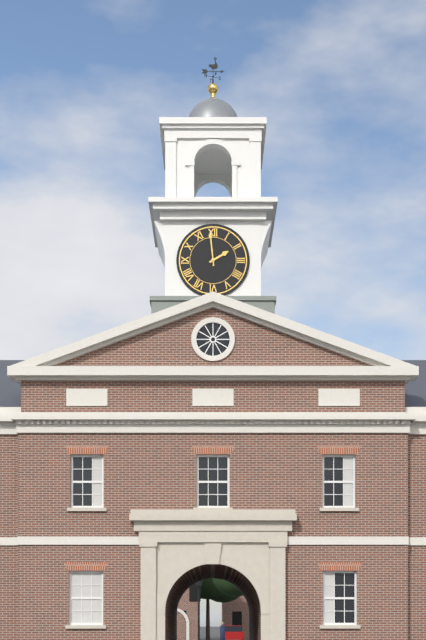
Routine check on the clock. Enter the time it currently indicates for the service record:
1:59
